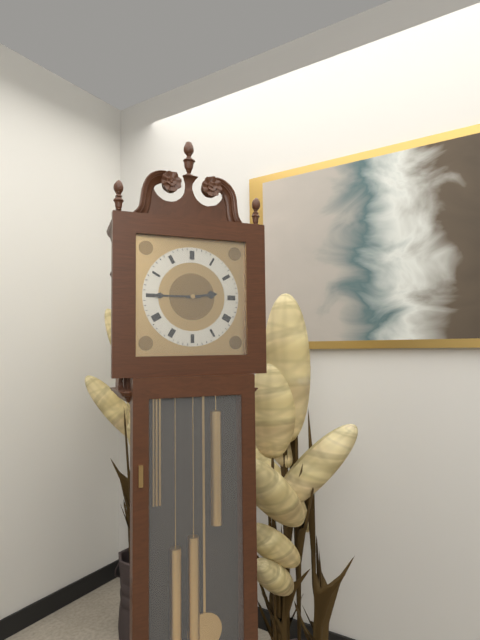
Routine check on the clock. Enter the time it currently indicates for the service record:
2:45
